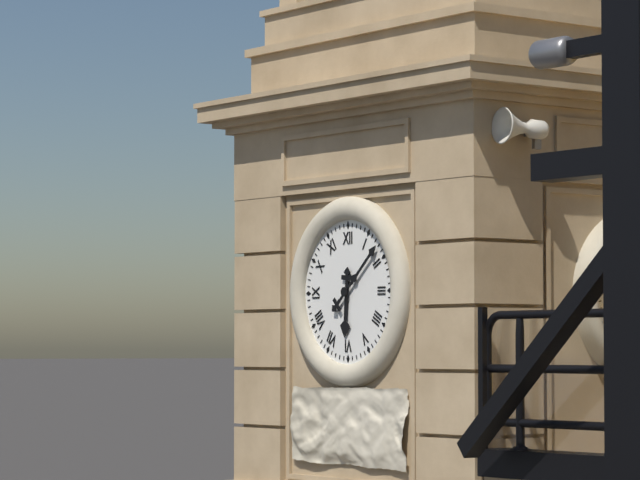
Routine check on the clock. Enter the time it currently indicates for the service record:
6:08
